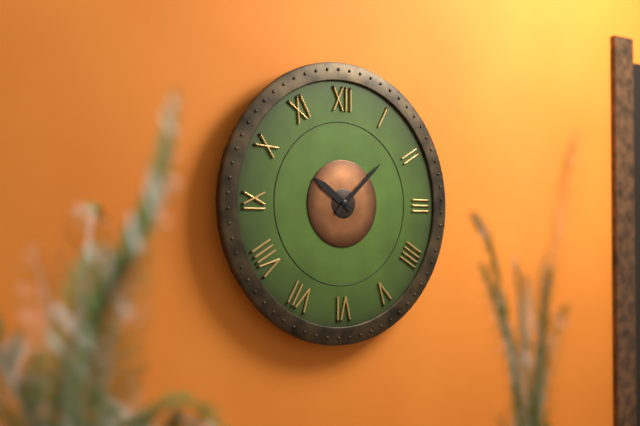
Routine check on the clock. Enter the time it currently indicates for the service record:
10:08
